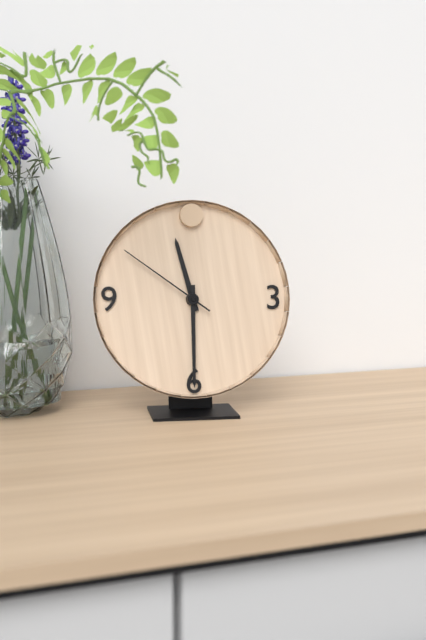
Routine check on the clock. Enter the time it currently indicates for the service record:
11:30:51
